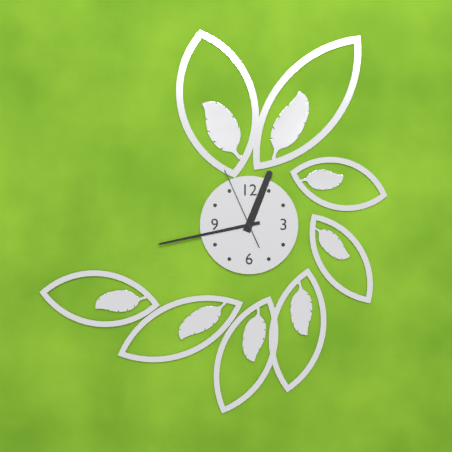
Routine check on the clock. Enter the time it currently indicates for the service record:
12:43:56
